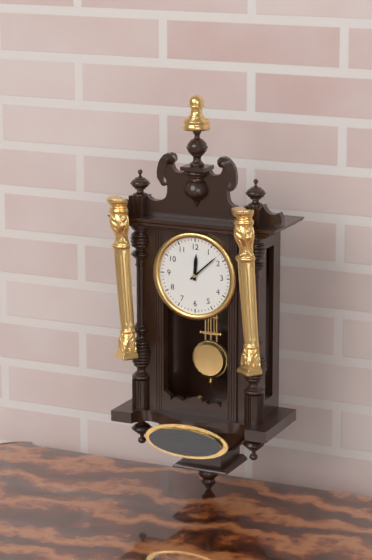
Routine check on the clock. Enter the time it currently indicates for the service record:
12:08
